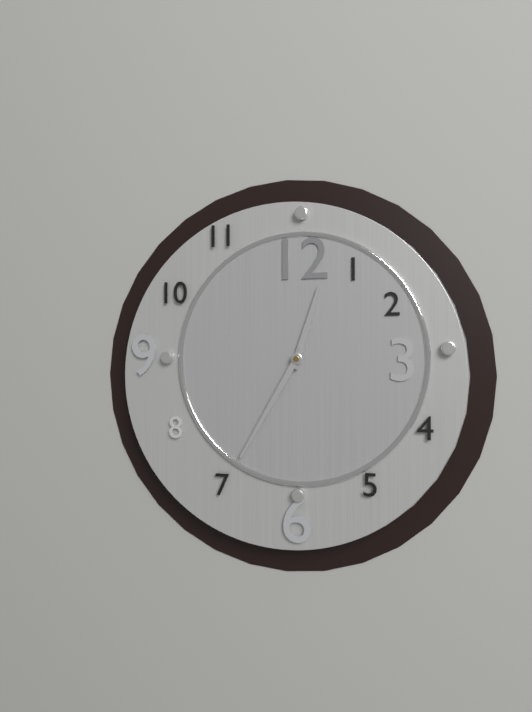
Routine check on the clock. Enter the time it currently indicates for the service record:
12:35
